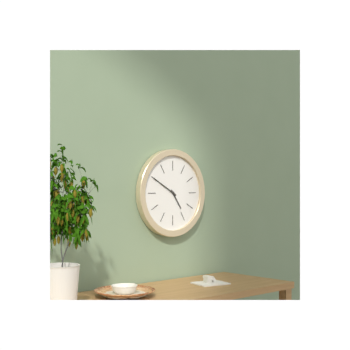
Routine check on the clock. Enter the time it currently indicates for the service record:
4:50
